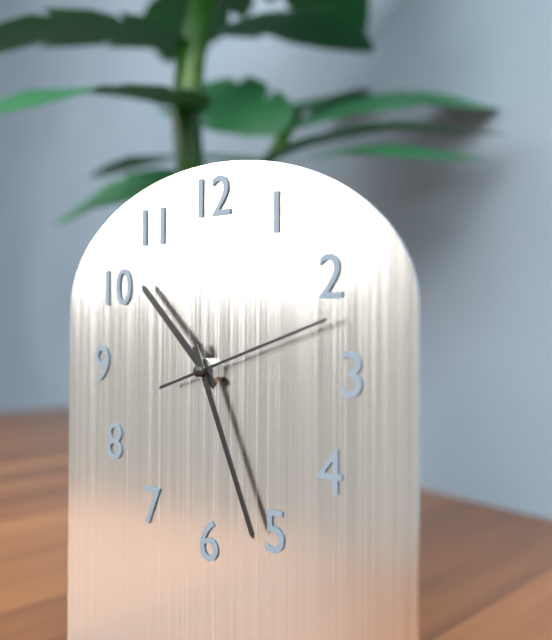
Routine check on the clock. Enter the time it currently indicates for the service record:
10:26:12
